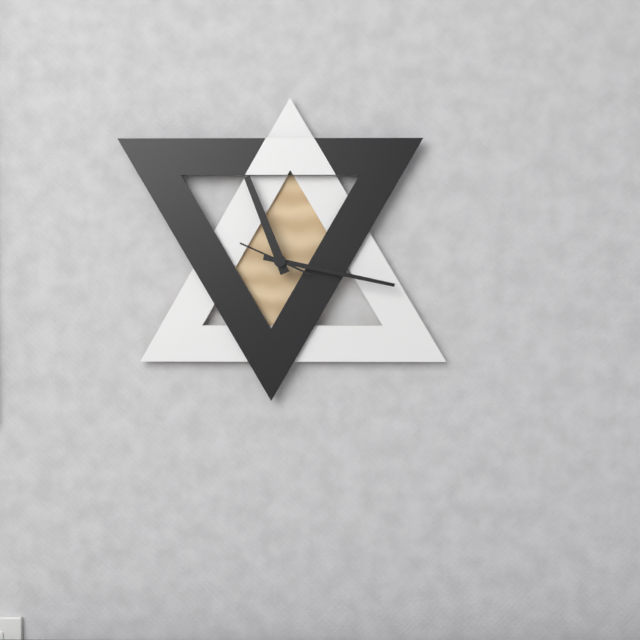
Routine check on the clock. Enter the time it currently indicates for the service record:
11:17:49
